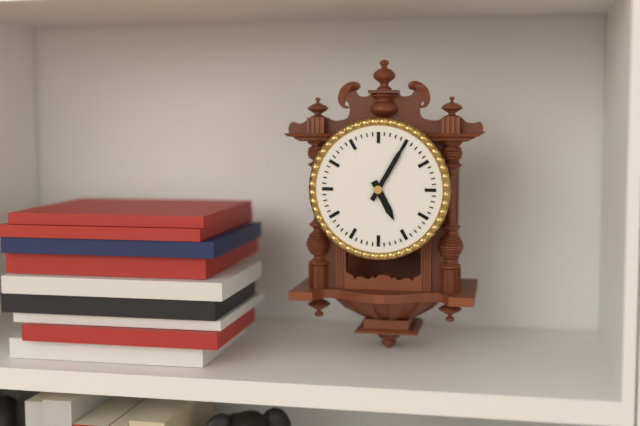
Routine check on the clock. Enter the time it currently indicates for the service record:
5:05
